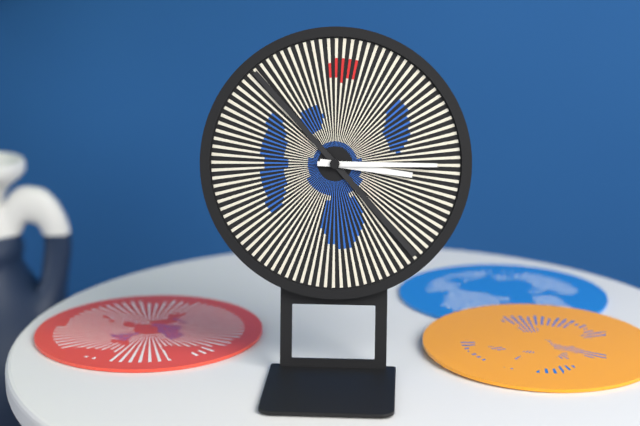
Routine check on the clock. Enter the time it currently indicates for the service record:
3:15
